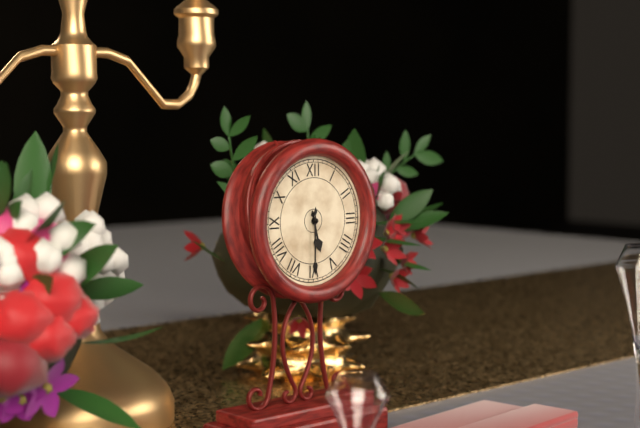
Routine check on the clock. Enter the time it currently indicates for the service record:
5:30
